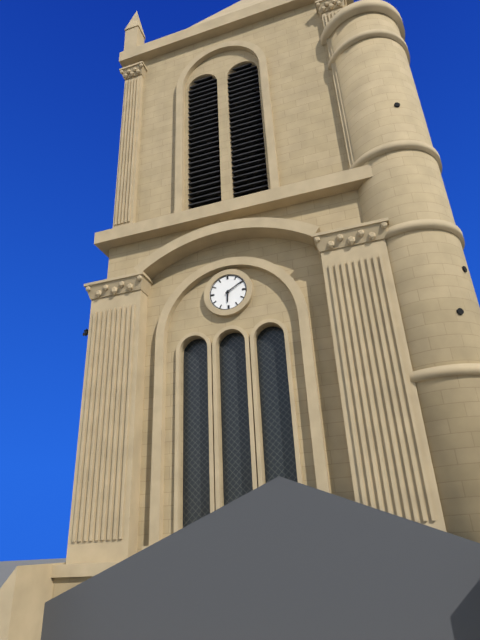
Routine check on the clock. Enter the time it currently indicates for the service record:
6:10
